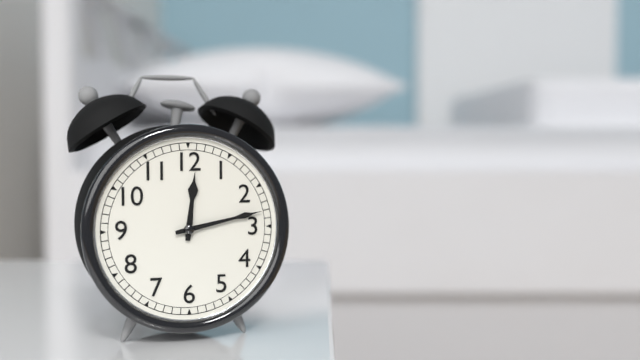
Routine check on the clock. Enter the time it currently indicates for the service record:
12:13
